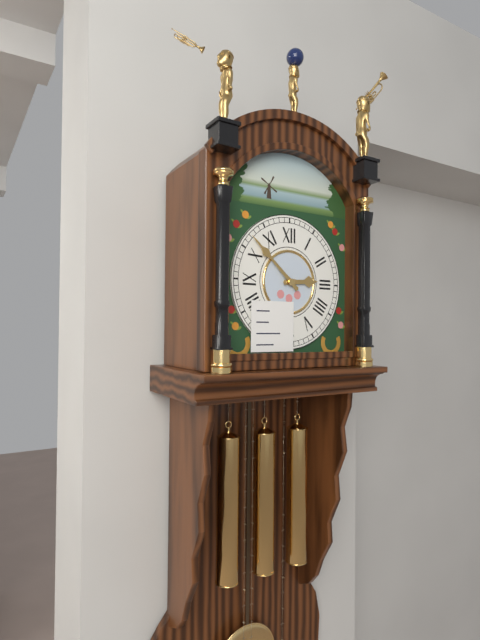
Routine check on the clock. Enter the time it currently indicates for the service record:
2:52
